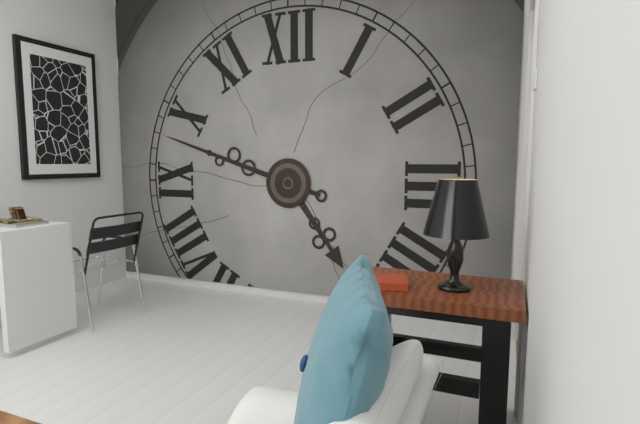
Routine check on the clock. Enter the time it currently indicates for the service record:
4:48
